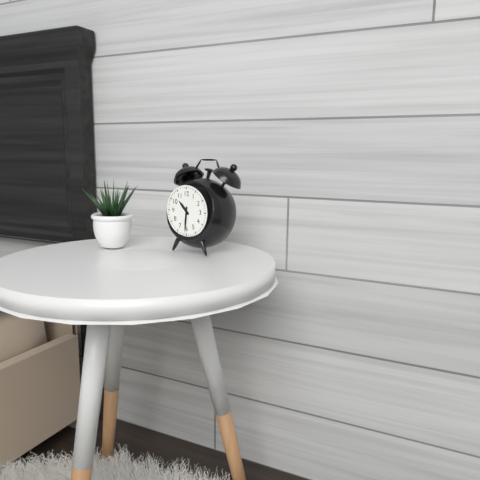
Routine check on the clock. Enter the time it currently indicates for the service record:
10:31
